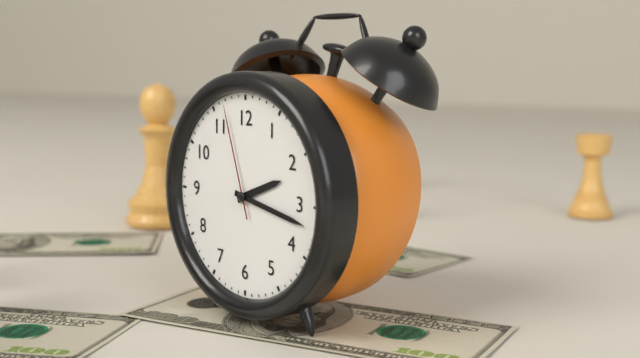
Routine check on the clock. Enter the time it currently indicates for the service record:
2:17:57
